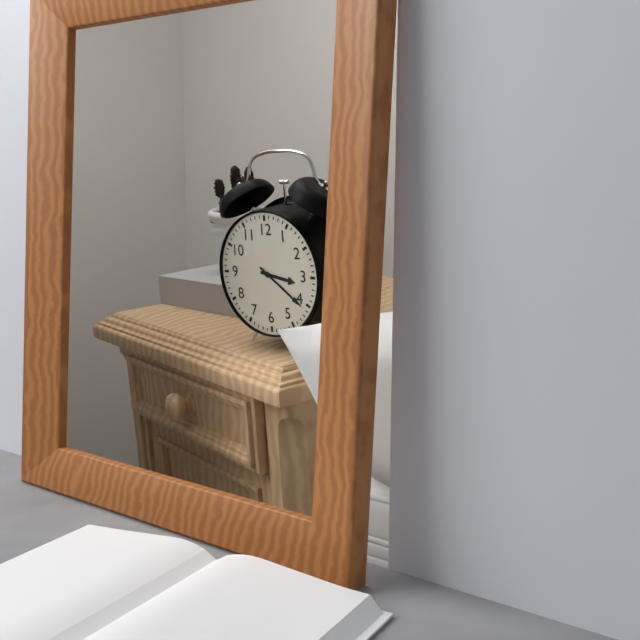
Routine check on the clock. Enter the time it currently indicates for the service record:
3:21
